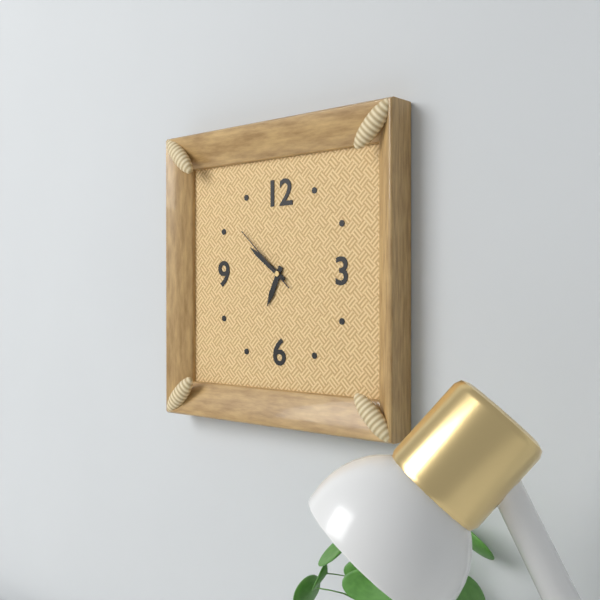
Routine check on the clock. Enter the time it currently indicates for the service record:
6:51:52
